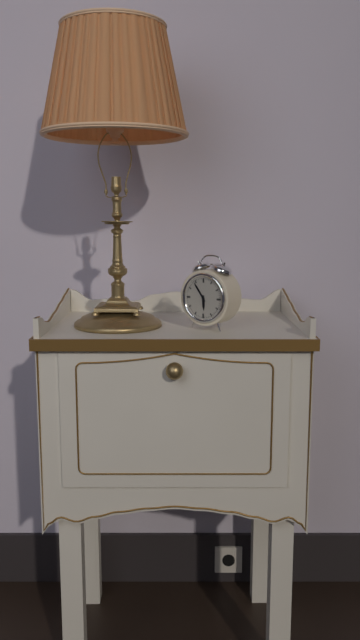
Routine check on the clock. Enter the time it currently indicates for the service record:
5:54
